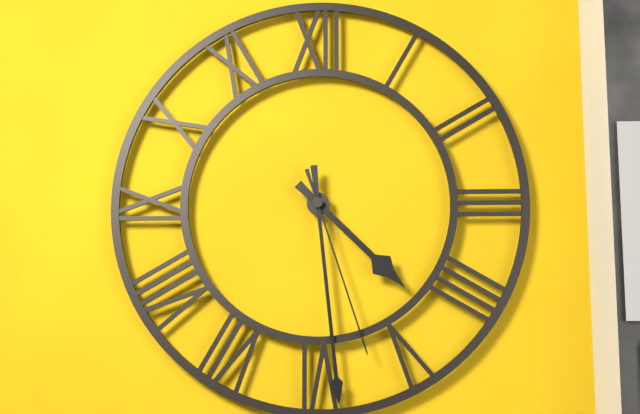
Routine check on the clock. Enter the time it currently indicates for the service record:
4:29:27
